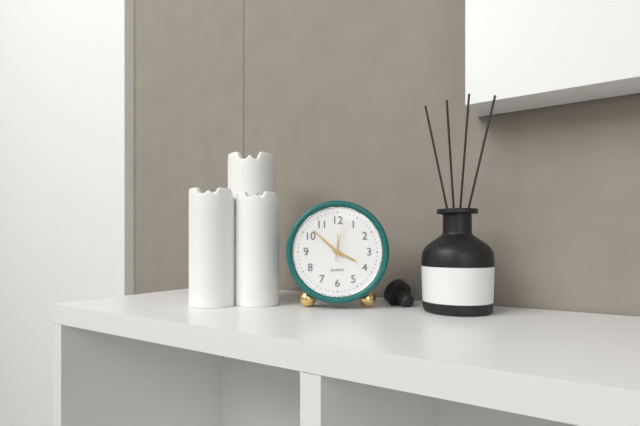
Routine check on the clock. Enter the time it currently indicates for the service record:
3:52
